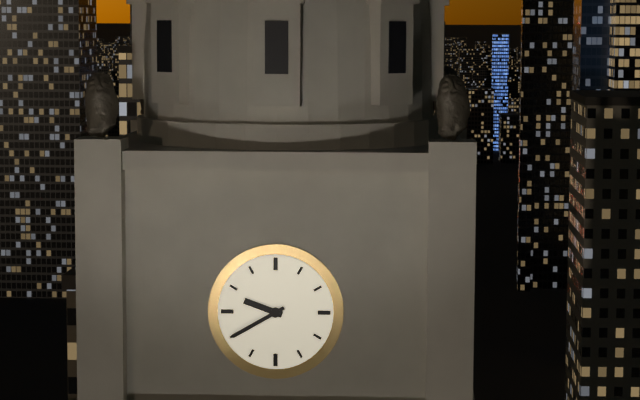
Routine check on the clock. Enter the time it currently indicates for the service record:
9:40
